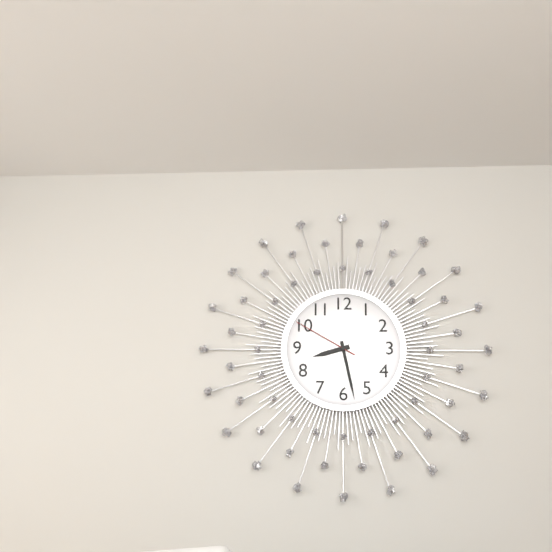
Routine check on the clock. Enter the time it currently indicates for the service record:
8:28:50
